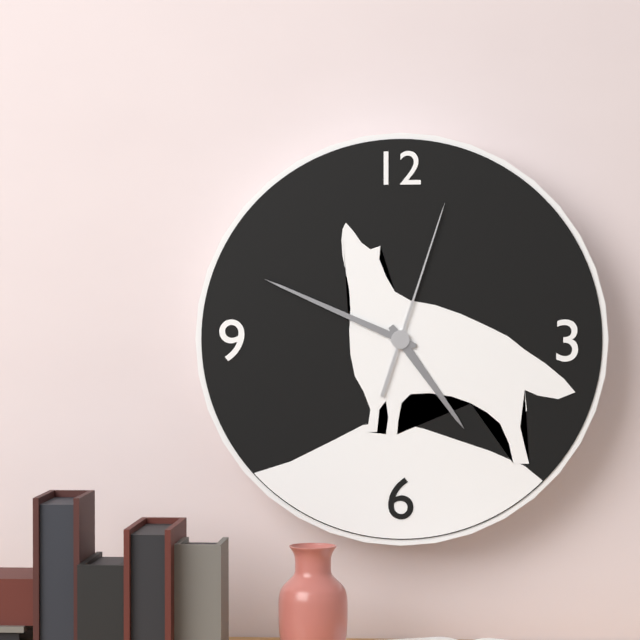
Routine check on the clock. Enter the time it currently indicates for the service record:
4:49:03
